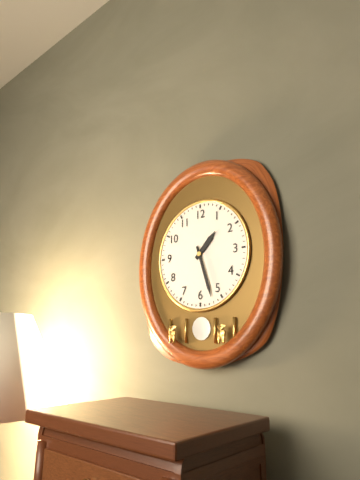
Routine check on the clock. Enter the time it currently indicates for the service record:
1:27
